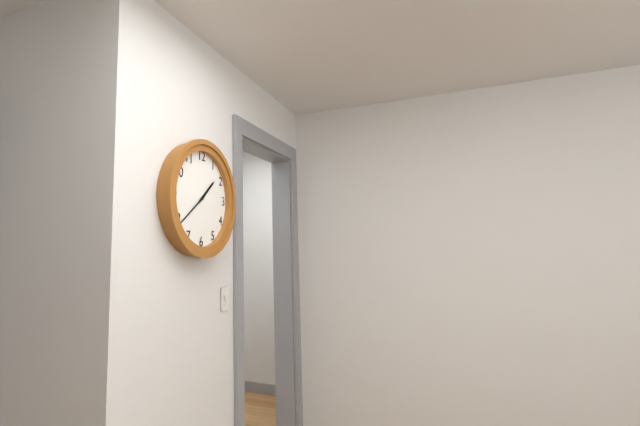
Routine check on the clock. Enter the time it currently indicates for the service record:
1:39
